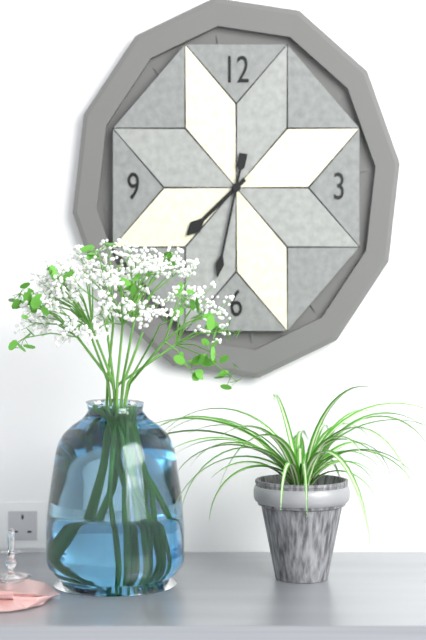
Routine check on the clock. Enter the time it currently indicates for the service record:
7:32
